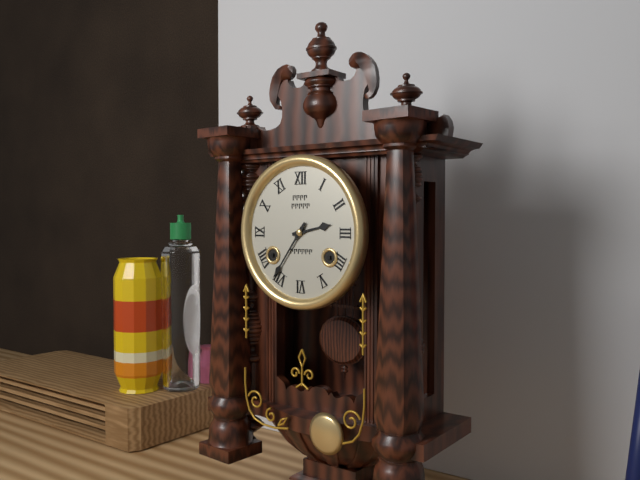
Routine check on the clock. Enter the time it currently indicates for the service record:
2:36
